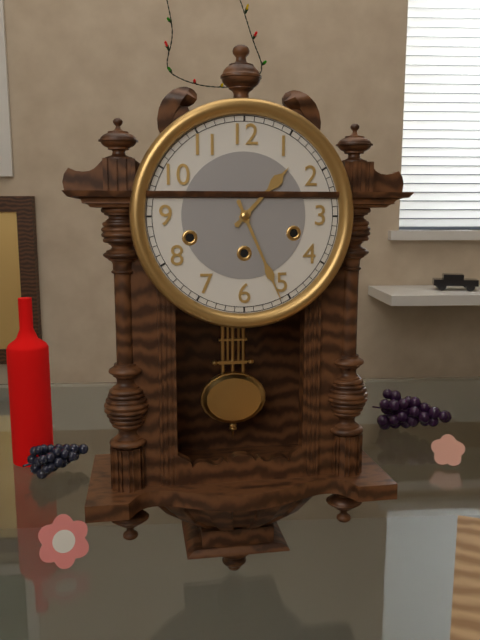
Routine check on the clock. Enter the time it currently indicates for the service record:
1:26
